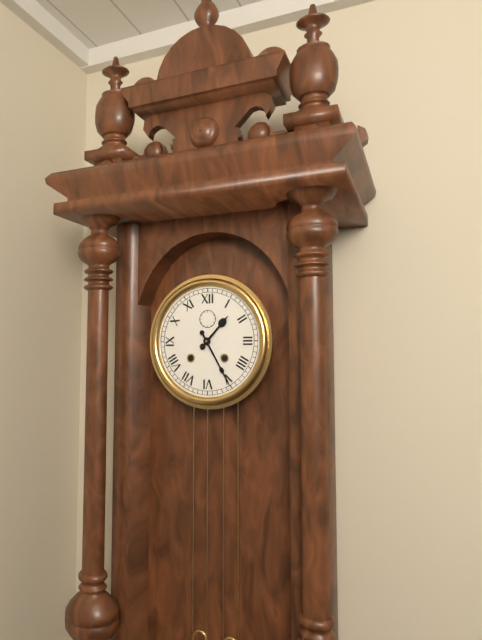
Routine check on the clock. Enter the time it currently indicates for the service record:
1:25
